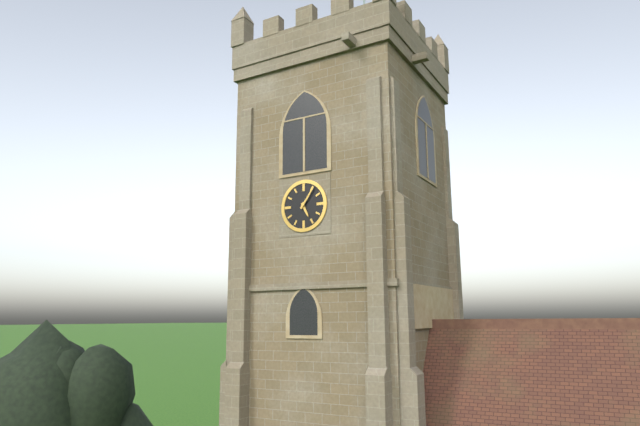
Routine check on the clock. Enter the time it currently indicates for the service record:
5:06
